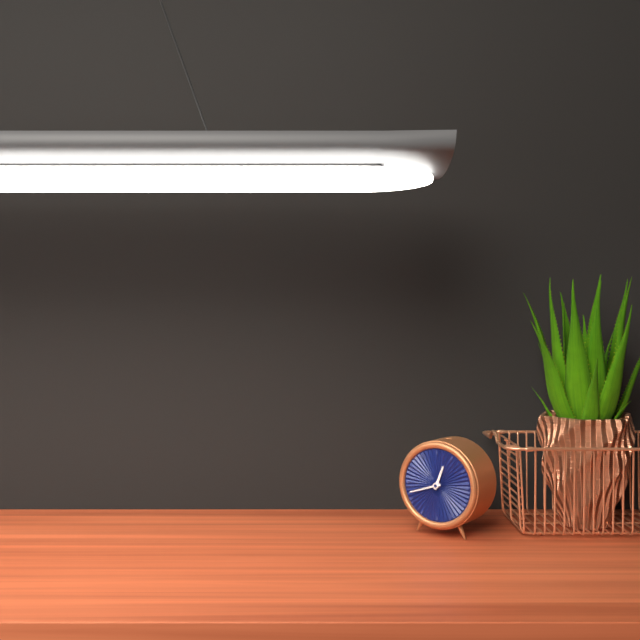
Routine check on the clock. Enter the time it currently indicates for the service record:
12:42
